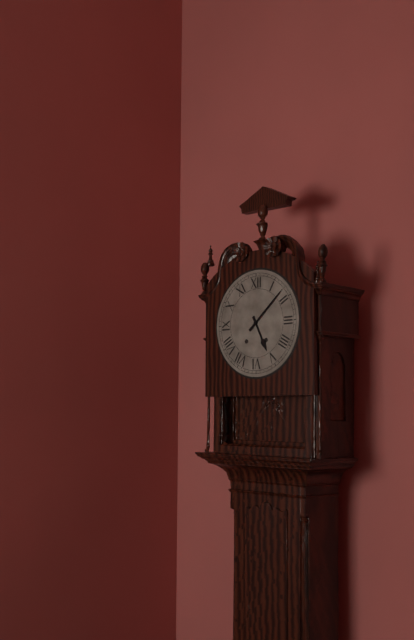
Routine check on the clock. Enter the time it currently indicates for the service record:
5:08
